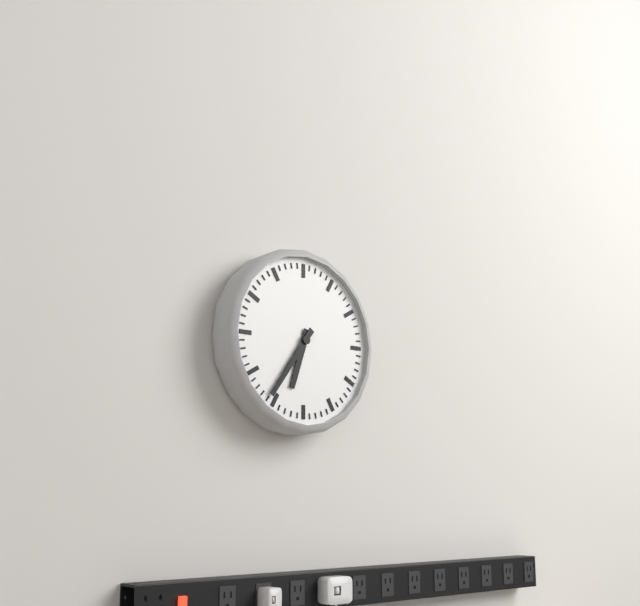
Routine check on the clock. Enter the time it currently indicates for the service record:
6:36
